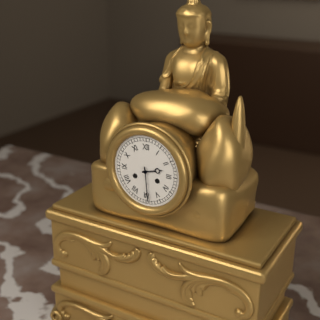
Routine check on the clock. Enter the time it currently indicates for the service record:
2:29
